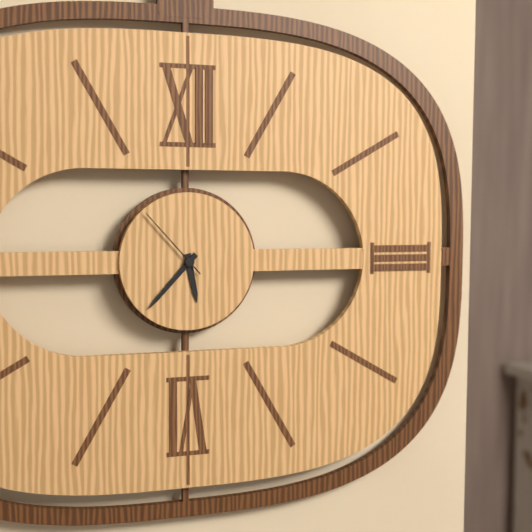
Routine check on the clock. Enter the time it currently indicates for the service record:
5:37:53
